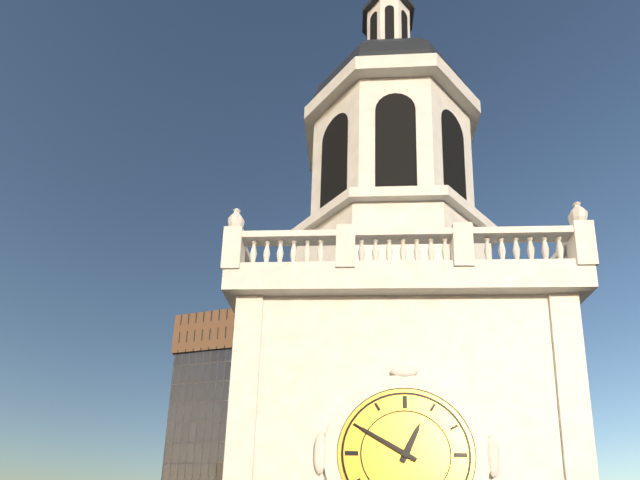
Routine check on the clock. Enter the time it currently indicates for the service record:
12:50
